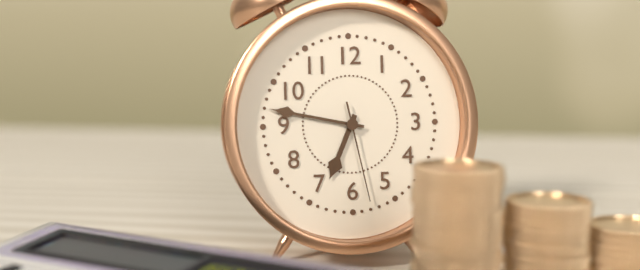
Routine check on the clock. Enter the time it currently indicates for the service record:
6:47:28
